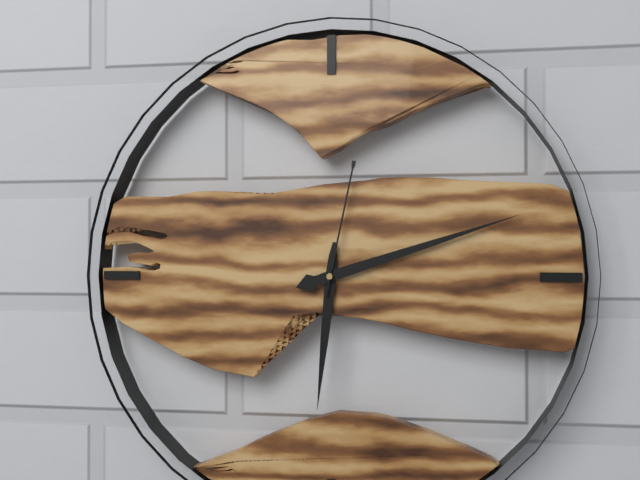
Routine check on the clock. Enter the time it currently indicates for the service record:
6:12:02
